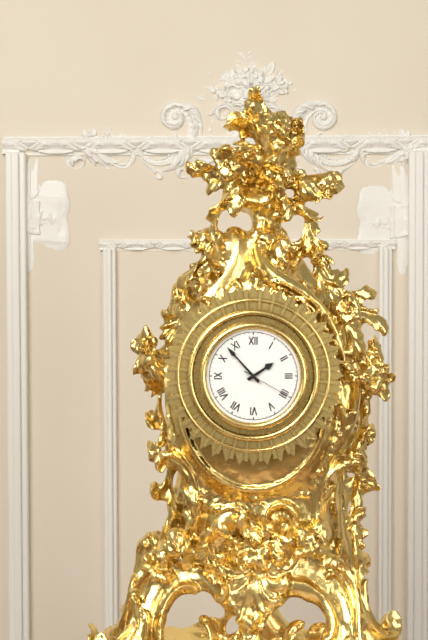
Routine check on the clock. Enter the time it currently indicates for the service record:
1:53:20
